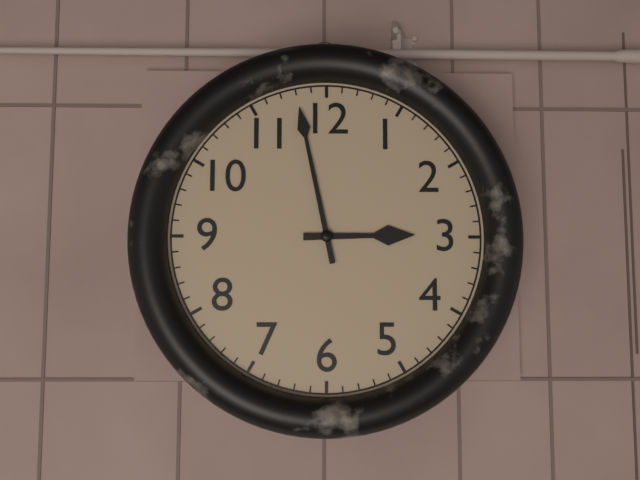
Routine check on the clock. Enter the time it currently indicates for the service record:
2:58
